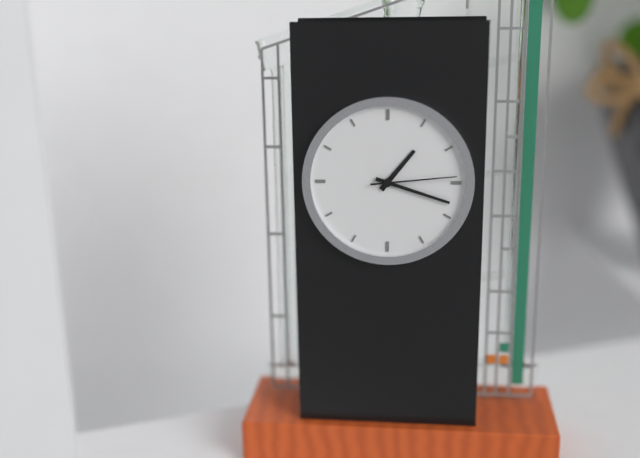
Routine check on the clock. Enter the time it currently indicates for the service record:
1:18:14
